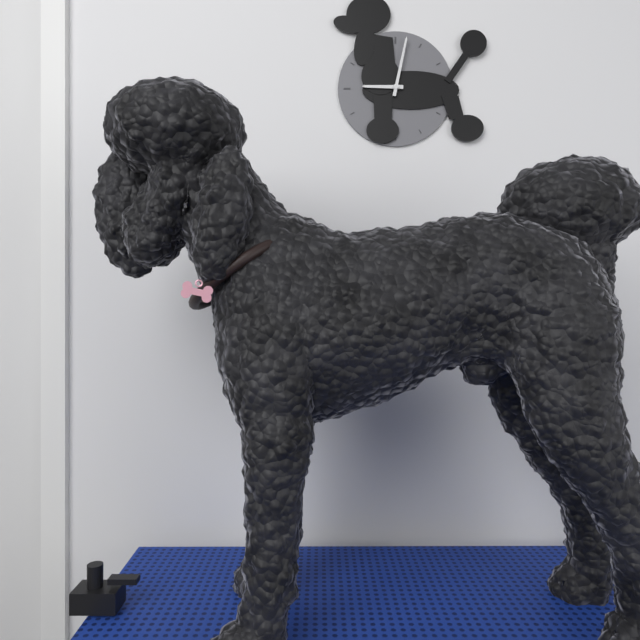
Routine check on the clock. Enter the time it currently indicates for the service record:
9:02
